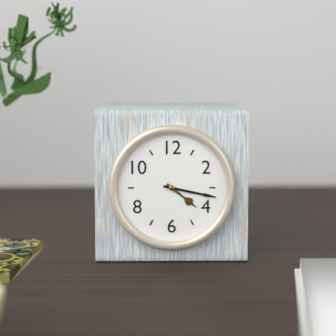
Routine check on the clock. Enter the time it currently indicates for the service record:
4:17
